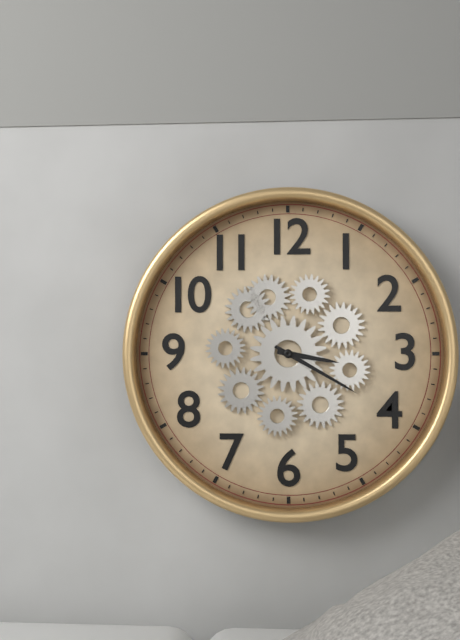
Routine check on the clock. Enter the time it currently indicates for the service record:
3:20
